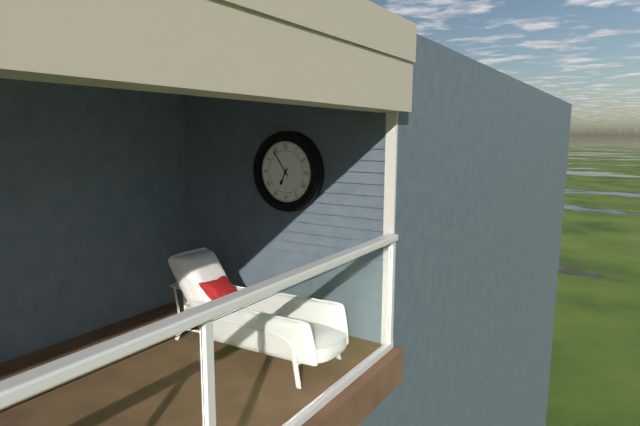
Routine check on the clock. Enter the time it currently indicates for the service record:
6:54
